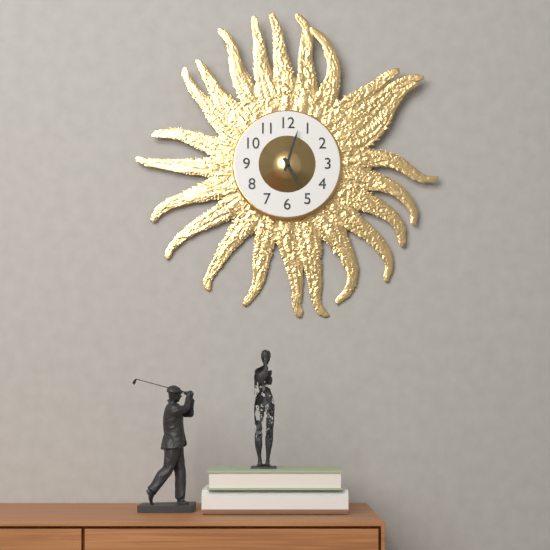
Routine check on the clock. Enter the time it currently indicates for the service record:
5:03
